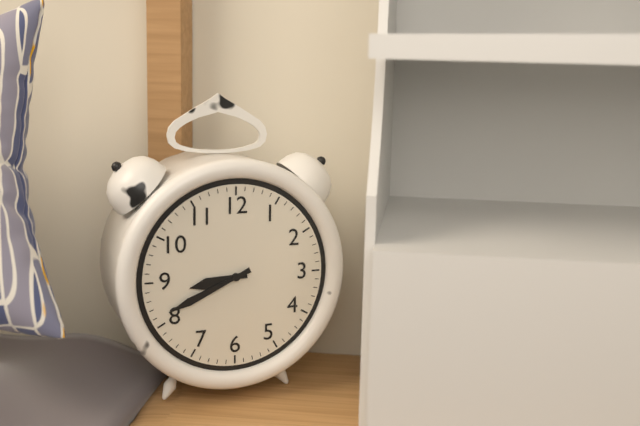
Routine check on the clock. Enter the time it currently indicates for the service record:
8:41
